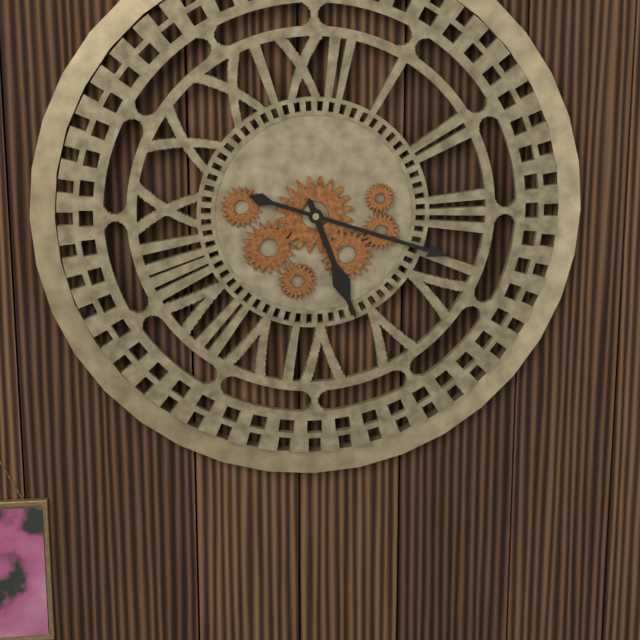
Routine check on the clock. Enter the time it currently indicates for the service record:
5:18
